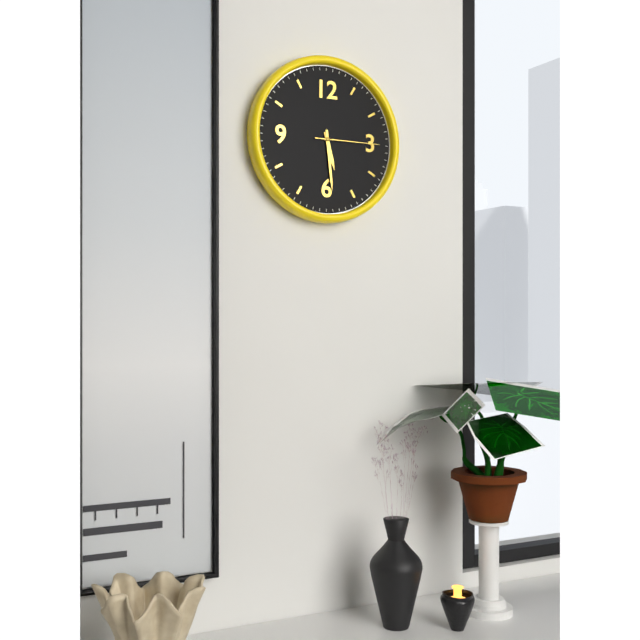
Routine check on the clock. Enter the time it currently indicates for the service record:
5:29:15
